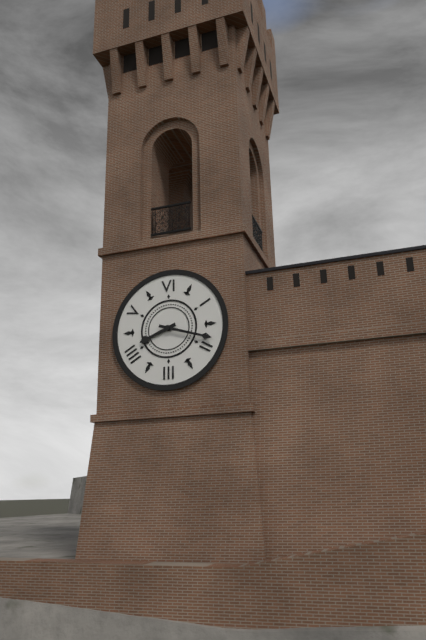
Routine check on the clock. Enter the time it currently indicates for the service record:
8:18
